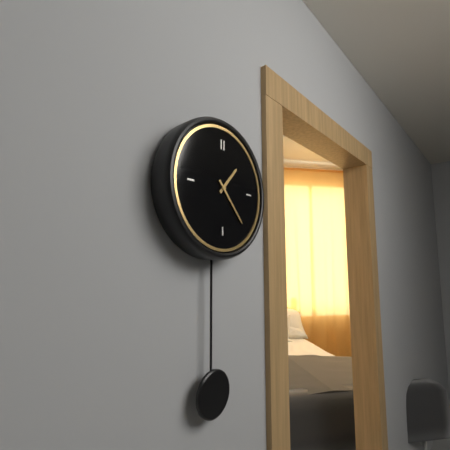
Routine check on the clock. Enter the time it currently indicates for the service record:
1:23
